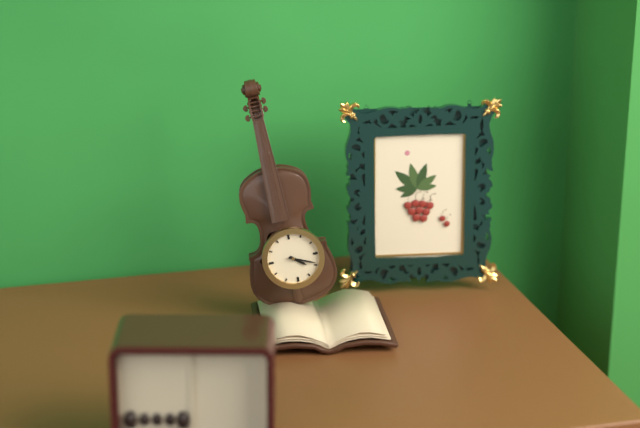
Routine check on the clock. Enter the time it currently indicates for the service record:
4:19
